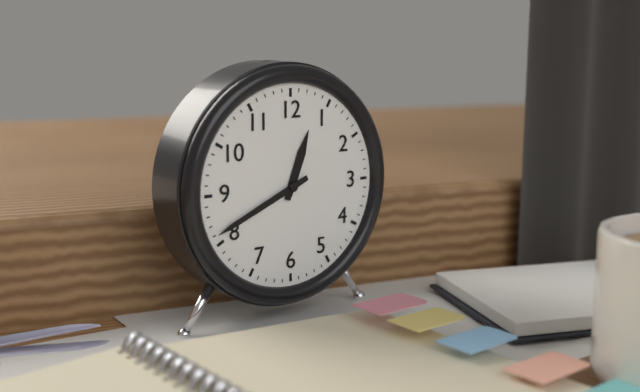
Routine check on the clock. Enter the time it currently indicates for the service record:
12:41
